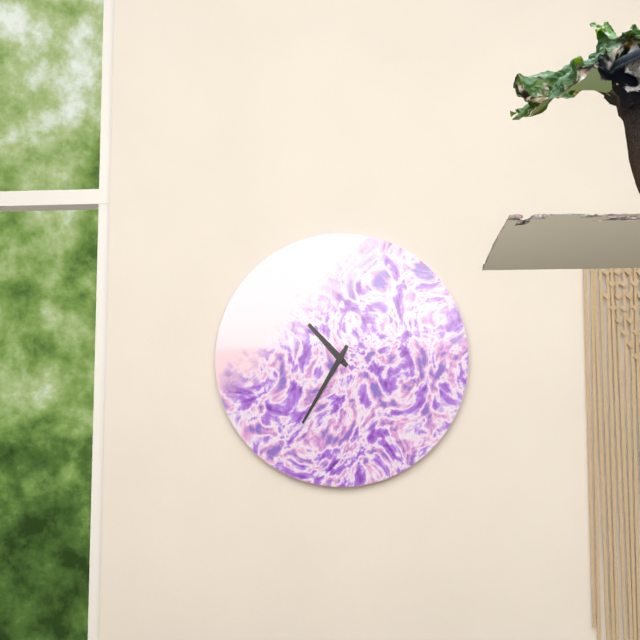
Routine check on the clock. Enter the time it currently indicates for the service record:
10:35
